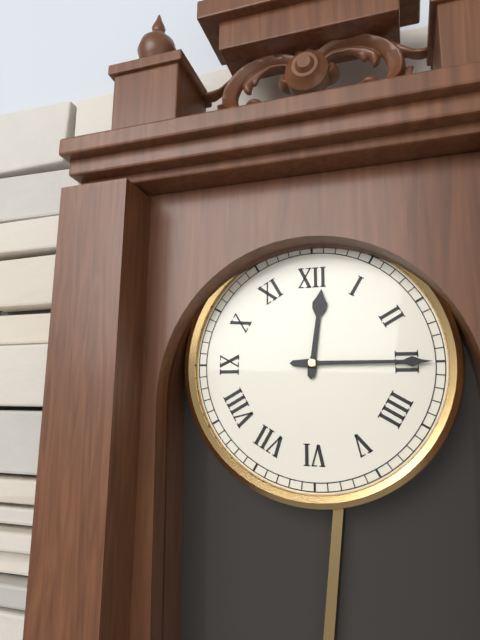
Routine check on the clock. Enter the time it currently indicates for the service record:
12:15
